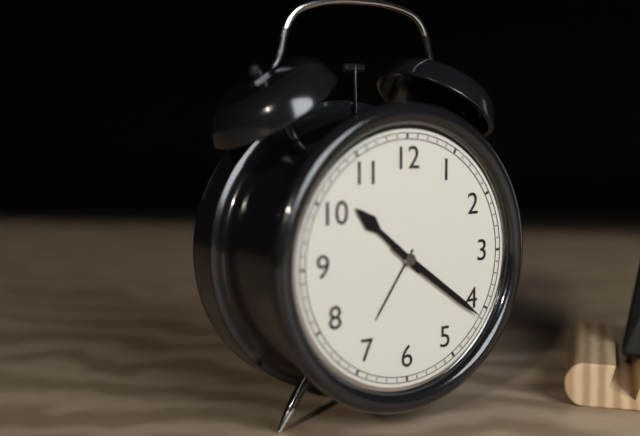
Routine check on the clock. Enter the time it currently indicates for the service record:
10:21
